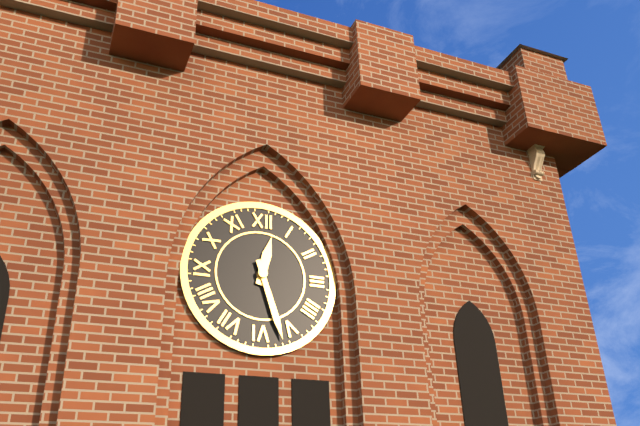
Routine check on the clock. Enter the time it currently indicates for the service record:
12:27
